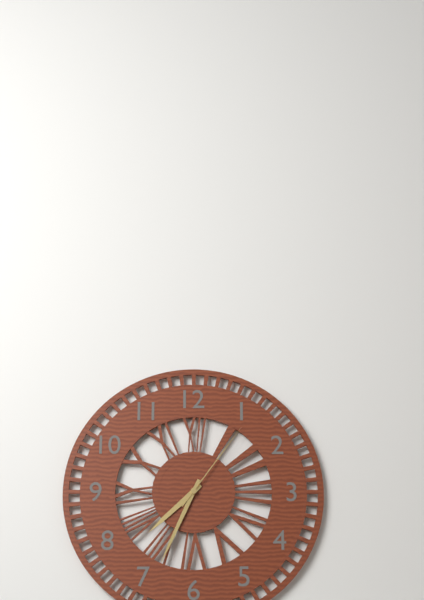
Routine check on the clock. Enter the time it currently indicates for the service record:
7:34:06
